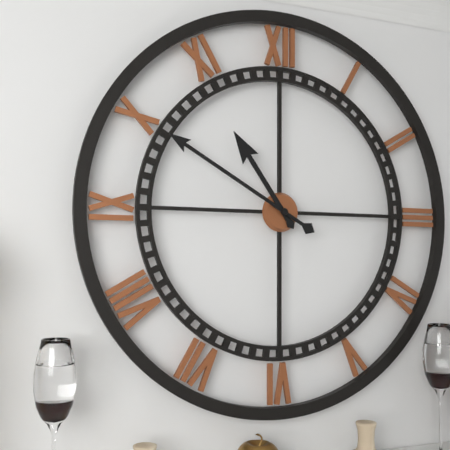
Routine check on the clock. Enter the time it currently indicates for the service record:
10:50
